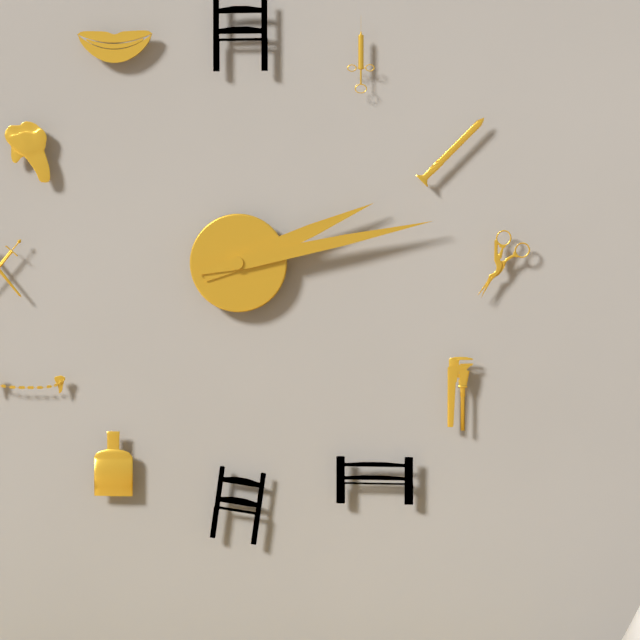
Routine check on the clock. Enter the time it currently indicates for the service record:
2:13
